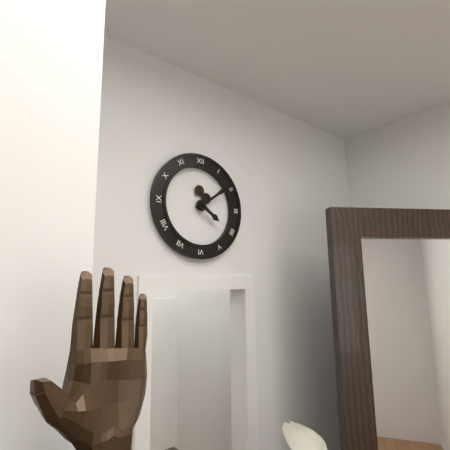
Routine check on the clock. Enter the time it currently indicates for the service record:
4:09
